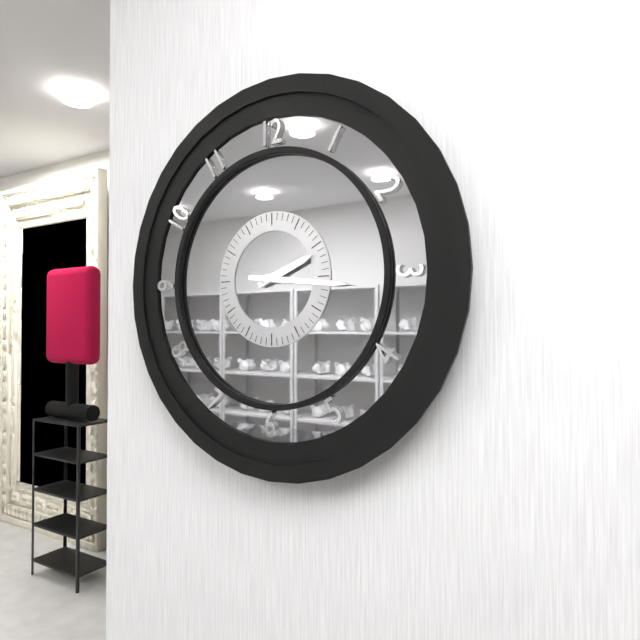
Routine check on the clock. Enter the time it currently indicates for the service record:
2:16
